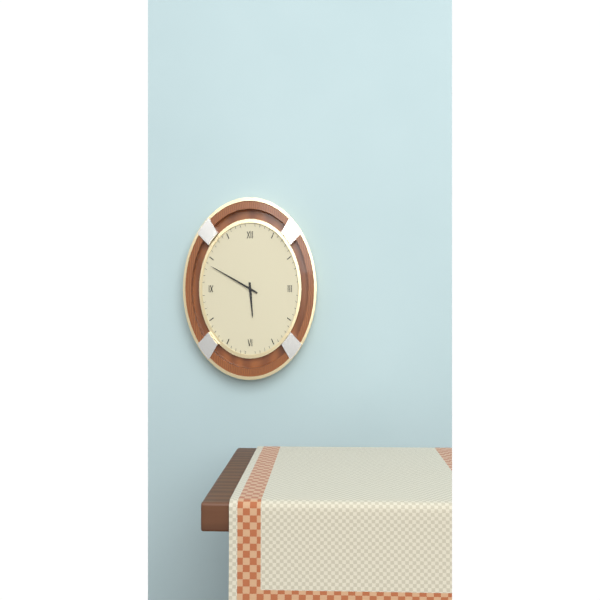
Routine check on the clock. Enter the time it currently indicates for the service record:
5:50
